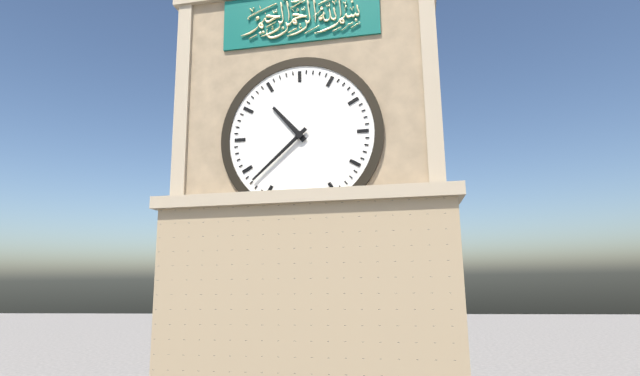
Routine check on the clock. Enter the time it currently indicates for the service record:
10:38
